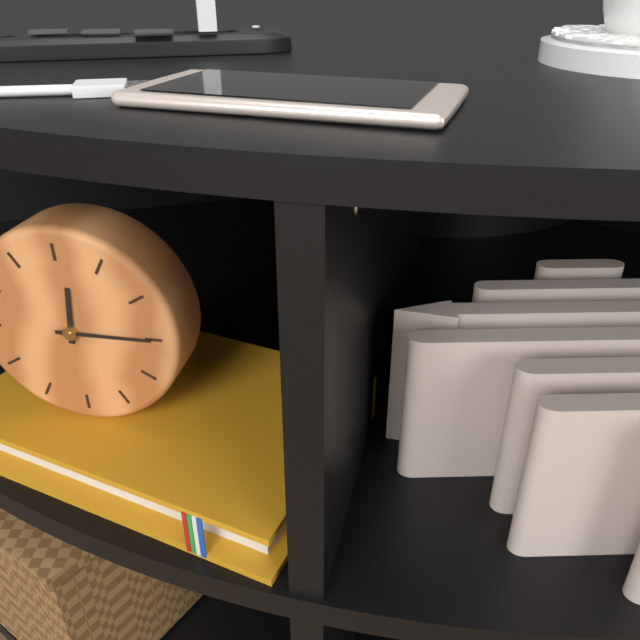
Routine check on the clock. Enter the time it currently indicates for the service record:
12:15
